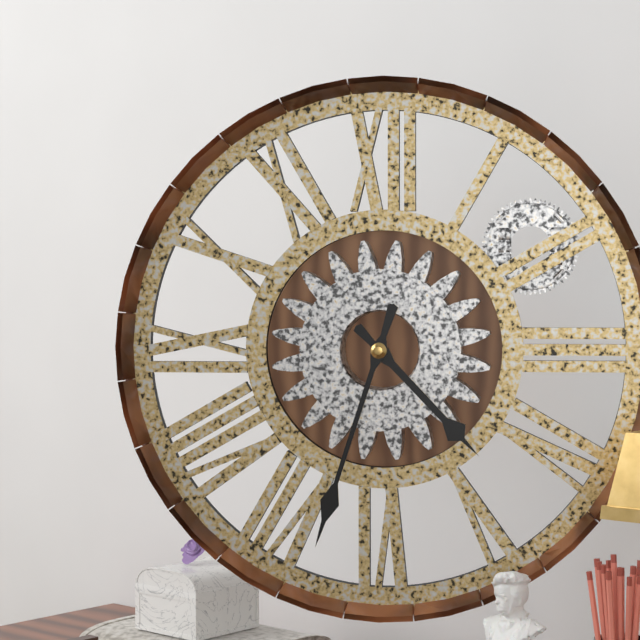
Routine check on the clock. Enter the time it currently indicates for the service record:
4:33
